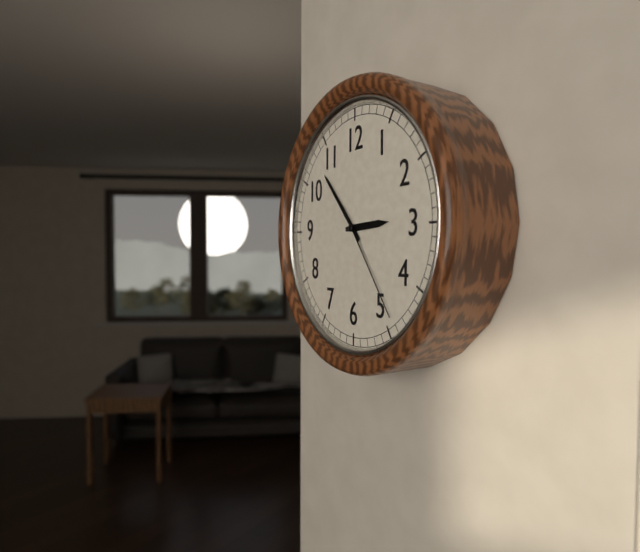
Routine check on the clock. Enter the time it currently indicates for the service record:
2:53:24
